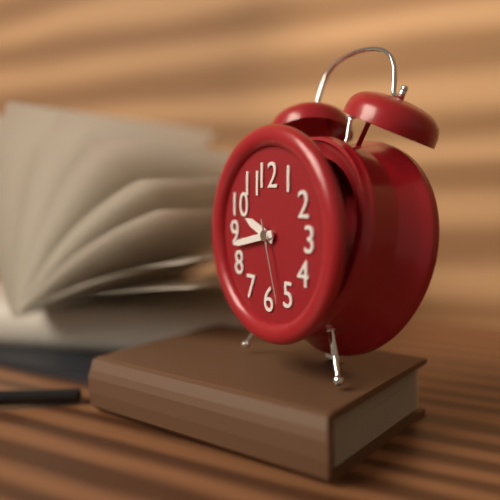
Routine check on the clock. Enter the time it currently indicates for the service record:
9:43:27
